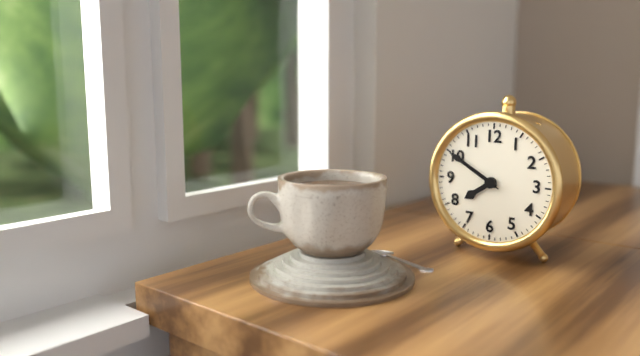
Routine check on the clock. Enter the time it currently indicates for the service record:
7:50:50
